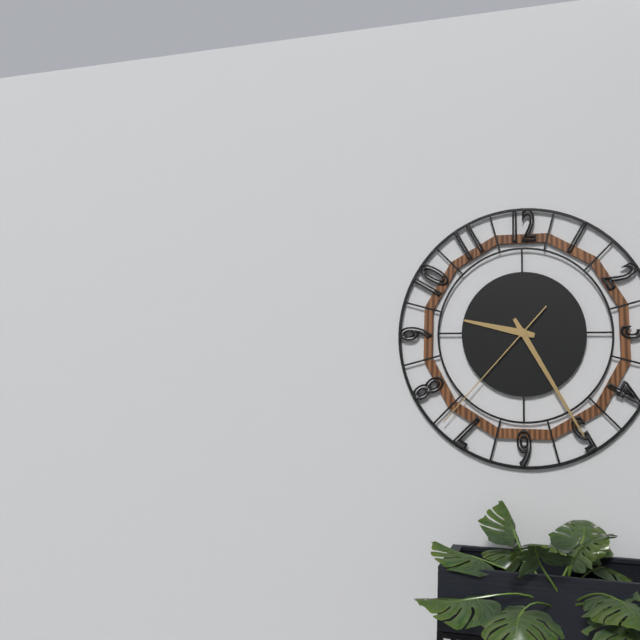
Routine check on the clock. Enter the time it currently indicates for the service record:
9:25:37
